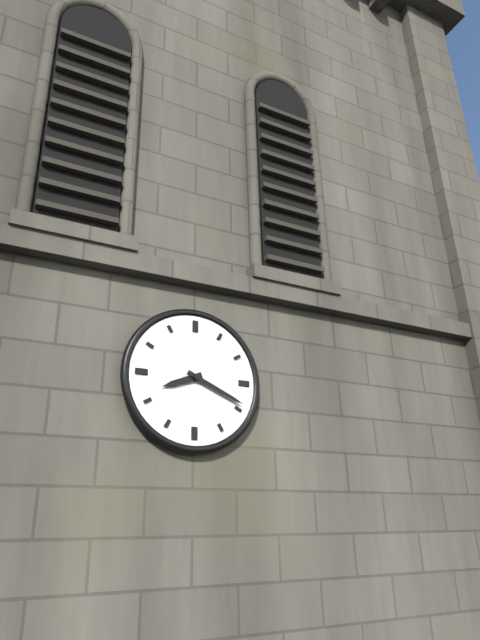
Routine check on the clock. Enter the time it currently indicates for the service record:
8:19
